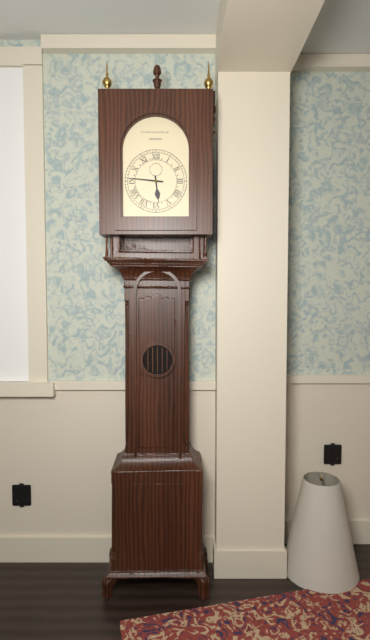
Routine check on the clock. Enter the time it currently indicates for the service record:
5:46
